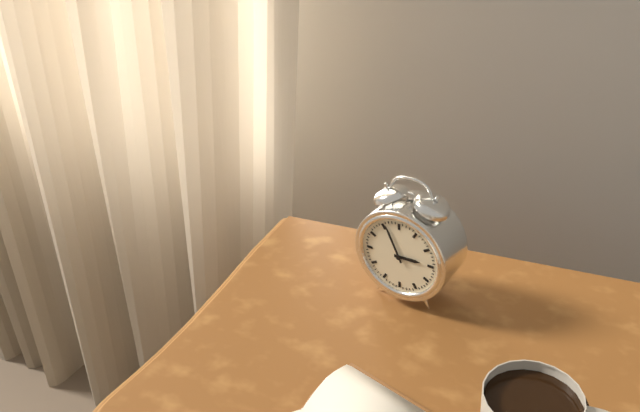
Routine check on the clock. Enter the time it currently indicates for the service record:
2:56
